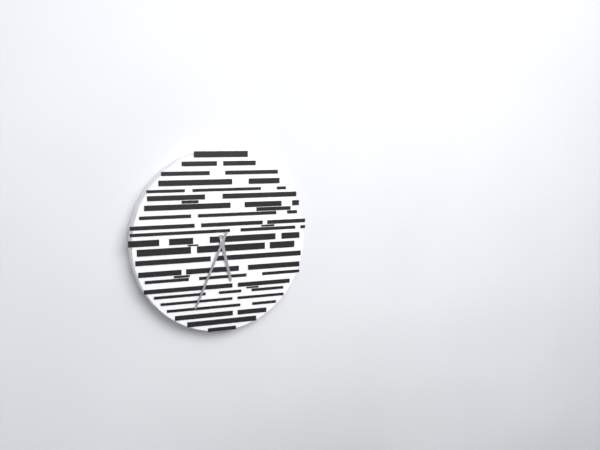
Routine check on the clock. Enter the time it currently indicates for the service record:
5:34
